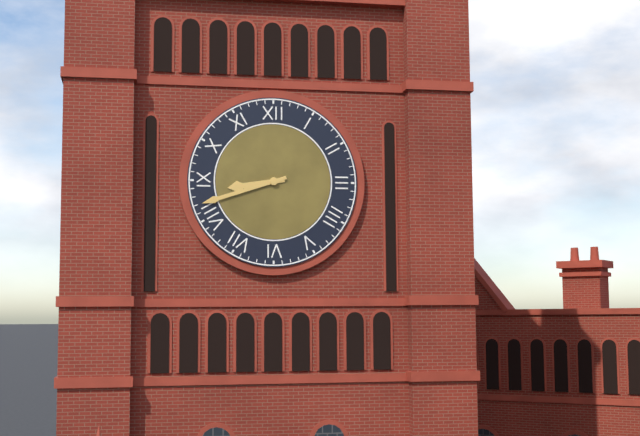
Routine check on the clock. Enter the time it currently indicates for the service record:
8:42
